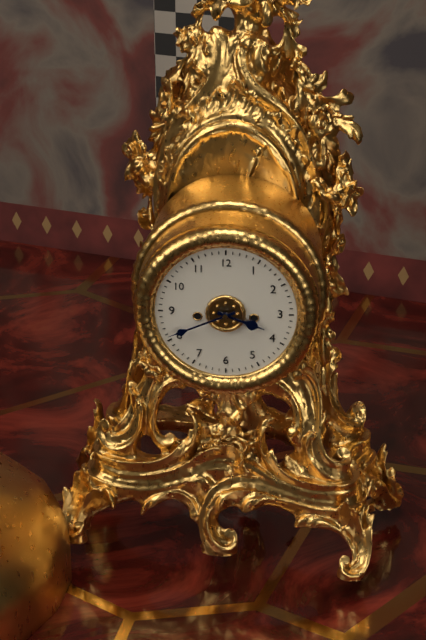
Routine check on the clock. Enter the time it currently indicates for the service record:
3:41
